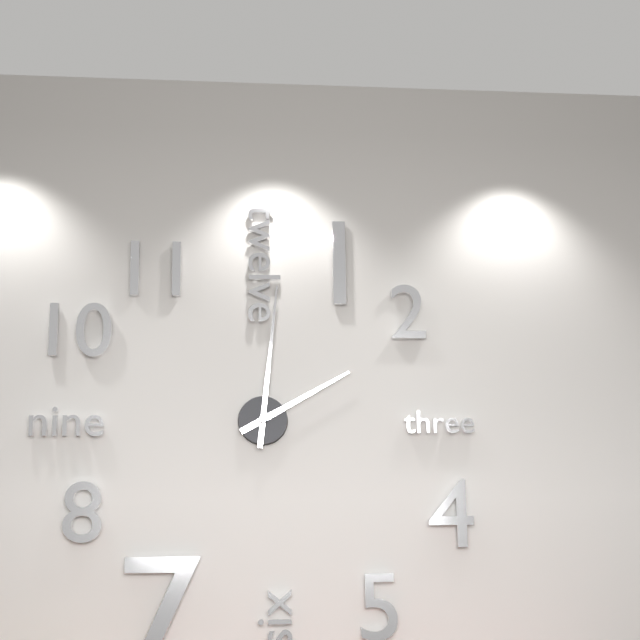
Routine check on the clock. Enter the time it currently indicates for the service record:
2:01
